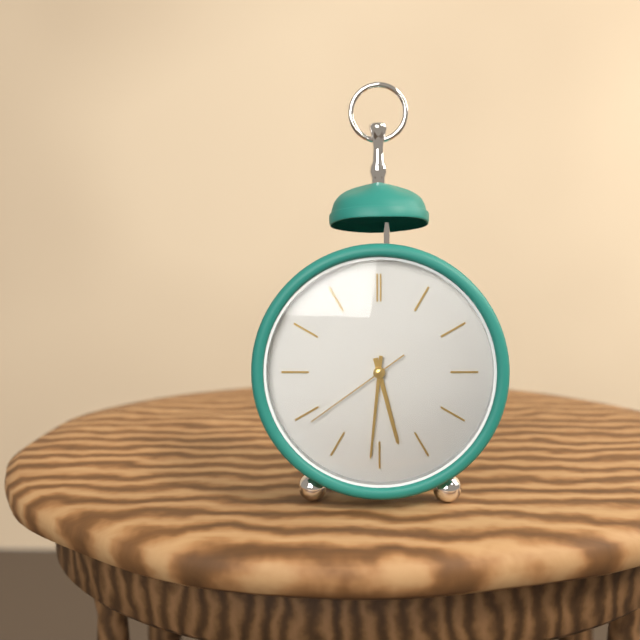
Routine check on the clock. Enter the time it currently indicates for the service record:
5:31:39
